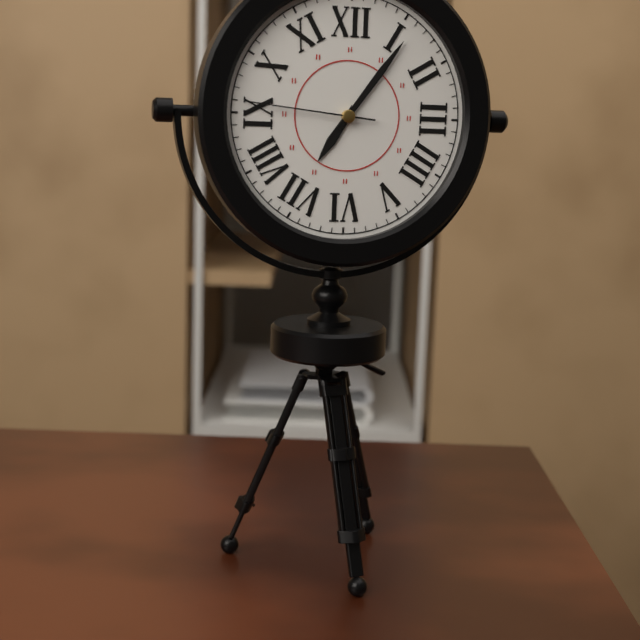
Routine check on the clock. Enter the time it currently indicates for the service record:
7:06:46
